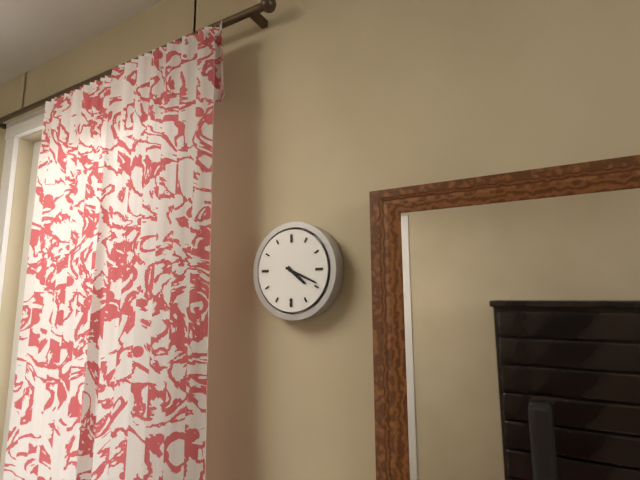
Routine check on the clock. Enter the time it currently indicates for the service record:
4:19
